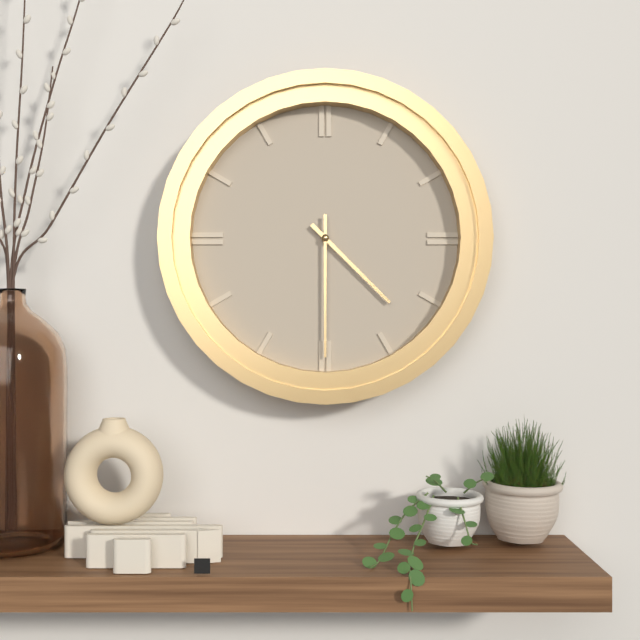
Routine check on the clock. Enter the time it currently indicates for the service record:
4:30
